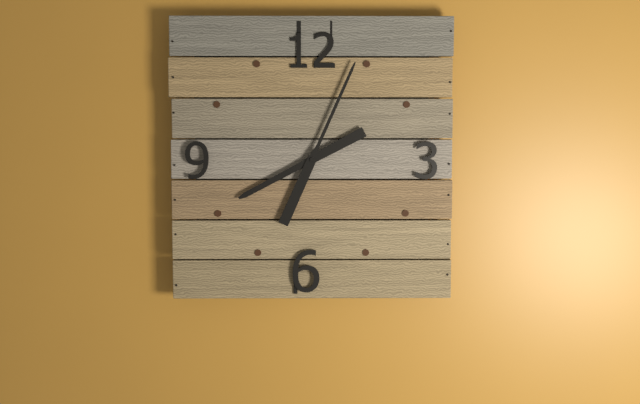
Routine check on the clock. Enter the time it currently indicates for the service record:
8:04
